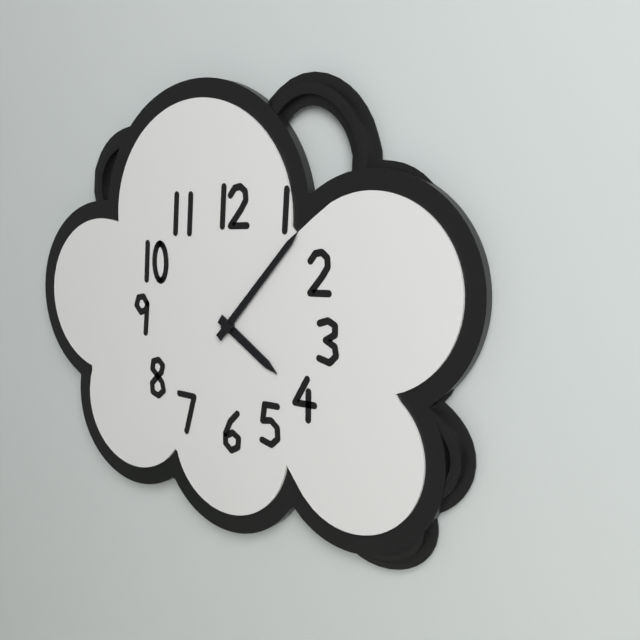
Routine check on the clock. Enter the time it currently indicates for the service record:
4:07
